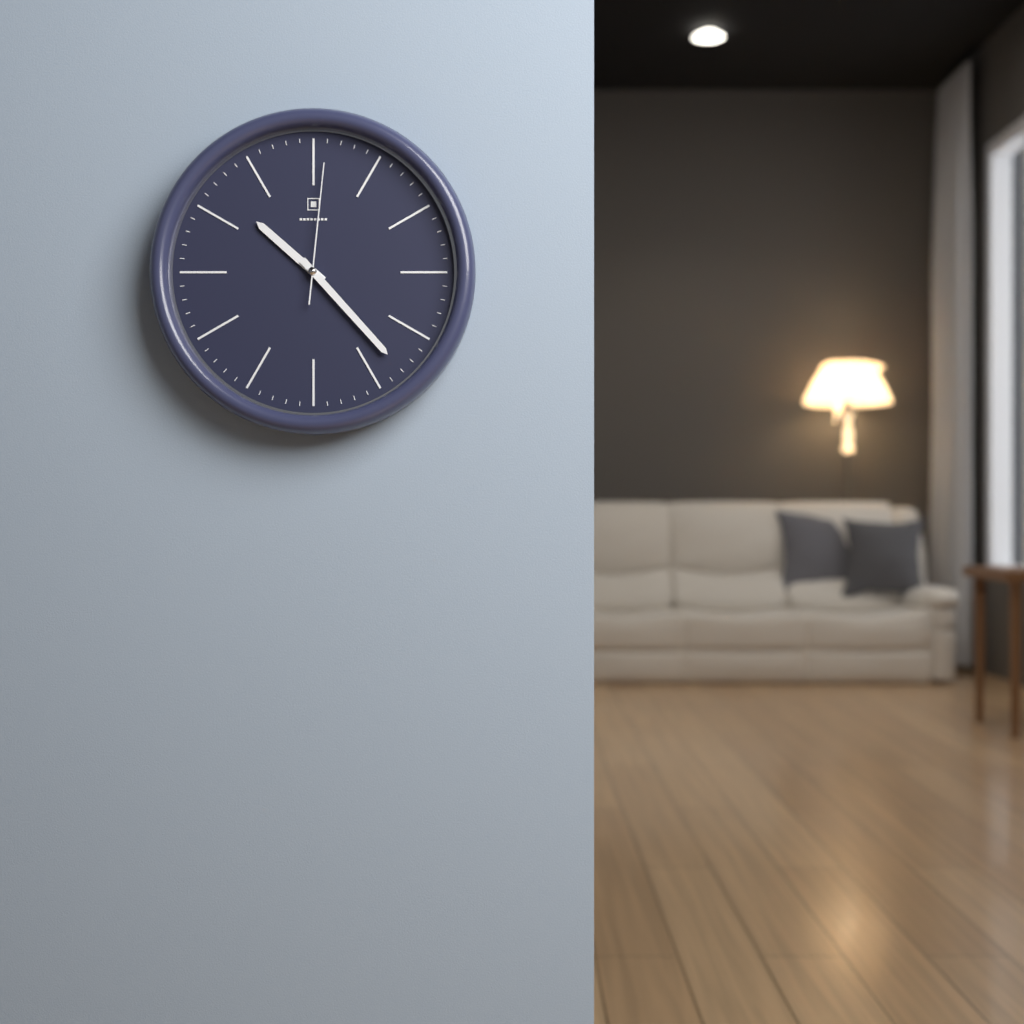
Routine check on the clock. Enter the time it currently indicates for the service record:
10:23:01
